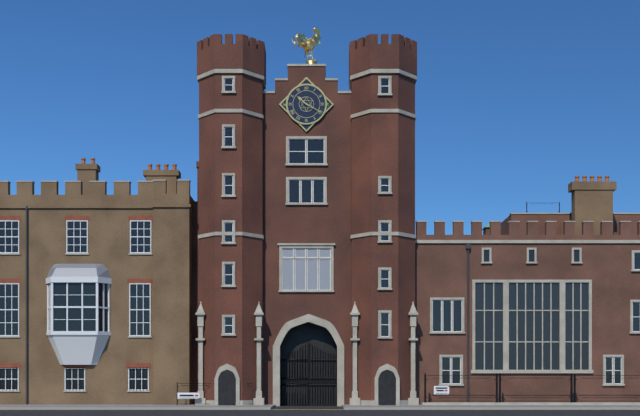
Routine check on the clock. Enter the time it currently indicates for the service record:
10:20
